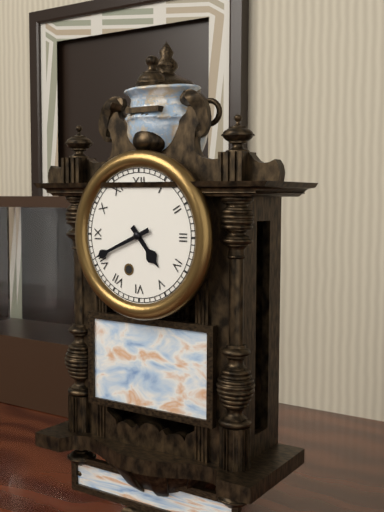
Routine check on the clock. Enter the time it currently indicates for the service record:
4:41
